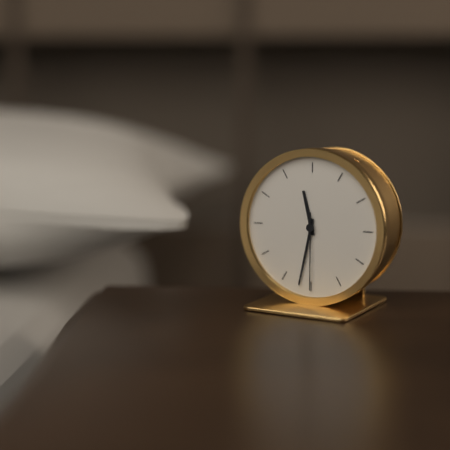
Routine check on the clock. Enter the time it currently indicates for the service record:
11:32:30
